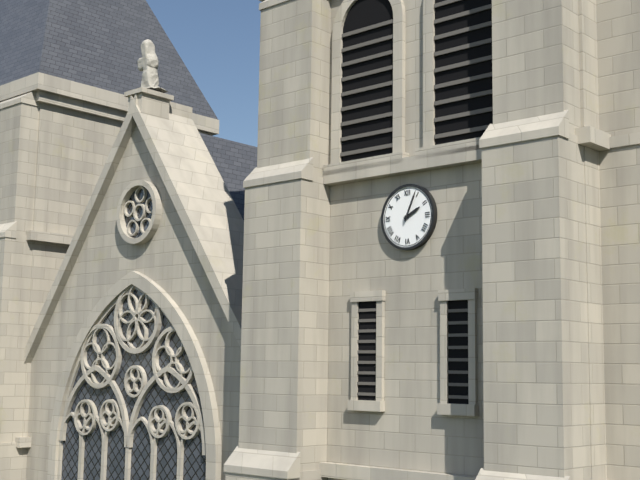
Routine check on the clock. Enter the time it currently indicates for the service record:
2:04
